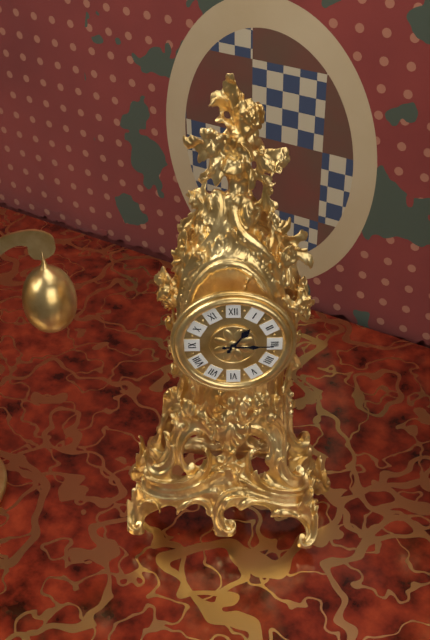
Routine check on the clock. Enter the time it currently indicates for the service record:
1:15
